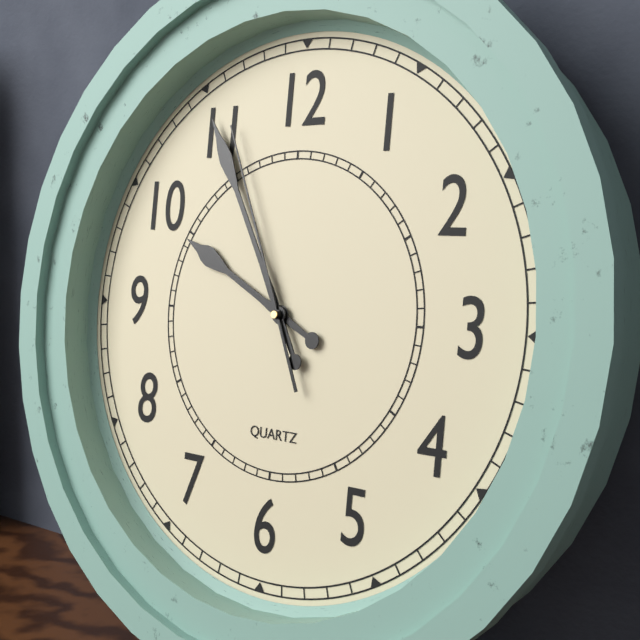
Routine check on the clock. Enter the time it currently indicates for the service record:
9:55:56
